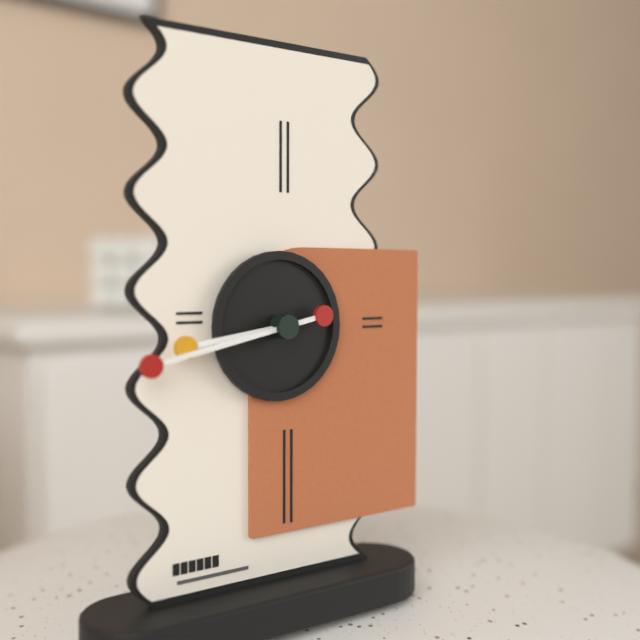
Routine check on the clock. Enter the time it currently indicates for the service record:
8:43
